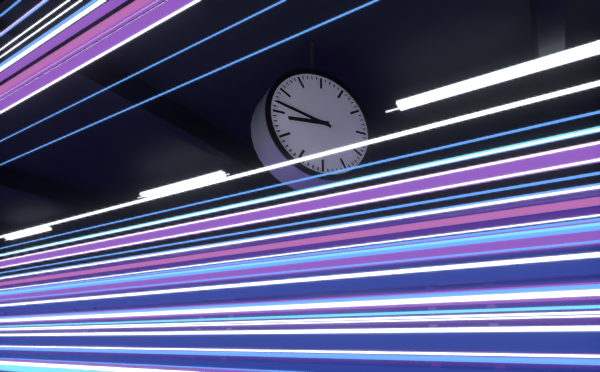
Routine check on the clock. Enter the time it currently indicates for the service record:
8:47
